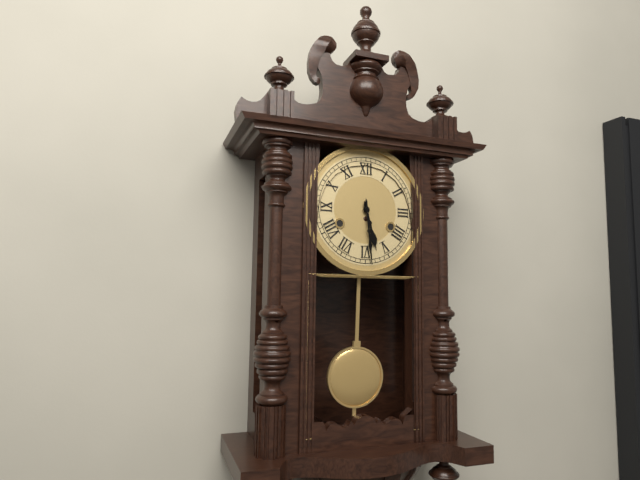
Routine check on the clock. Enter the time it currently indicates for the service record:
5:29
